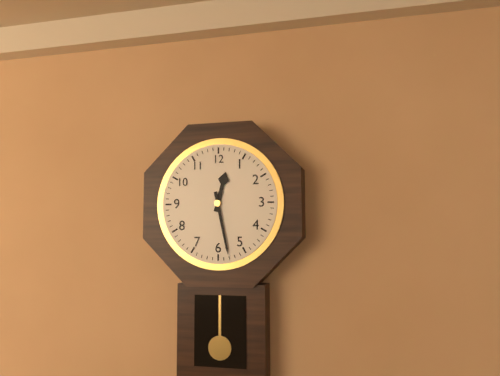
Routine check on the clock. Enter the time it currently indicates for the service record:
12:28
